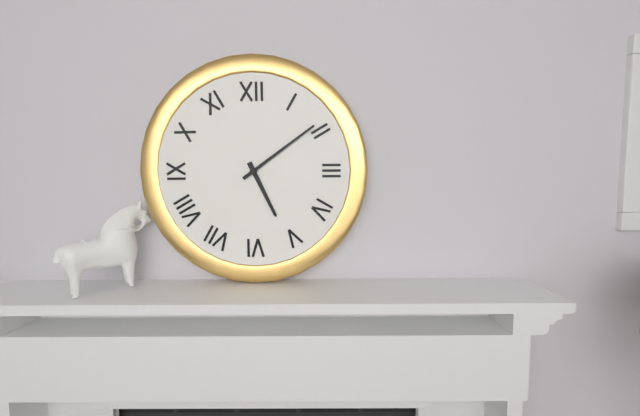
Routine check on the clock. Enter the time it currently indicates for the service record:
5:09
